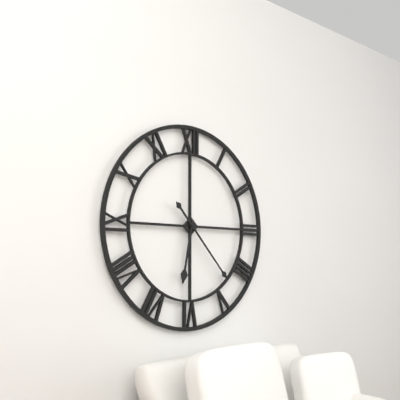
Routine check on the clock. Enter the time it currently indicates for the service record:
6:23
